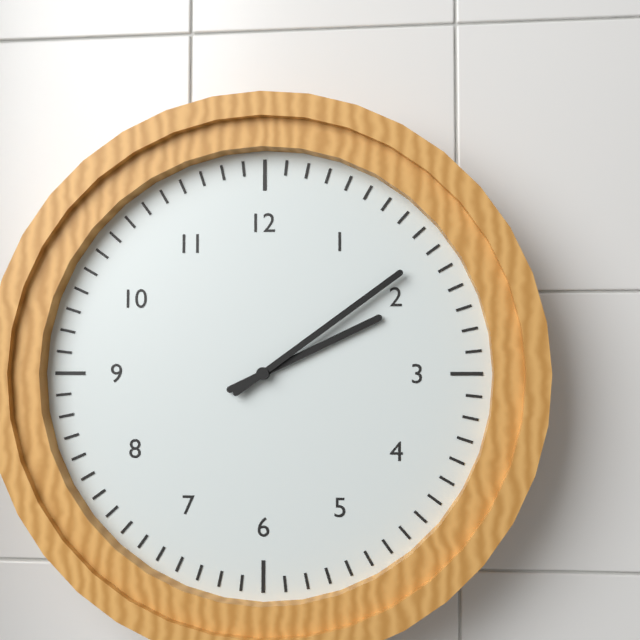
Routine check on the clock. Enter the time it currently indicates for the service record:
2:09
